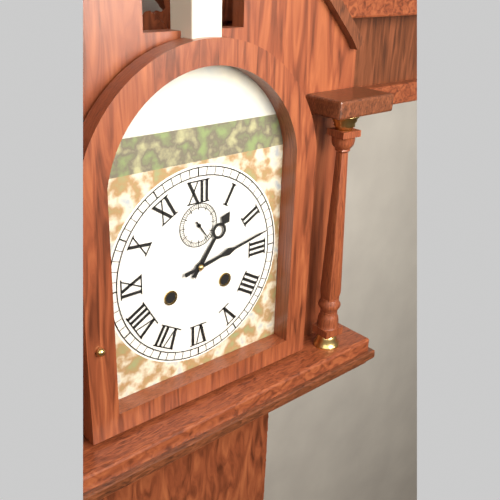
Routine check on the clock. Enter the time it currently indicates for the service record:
1:13
